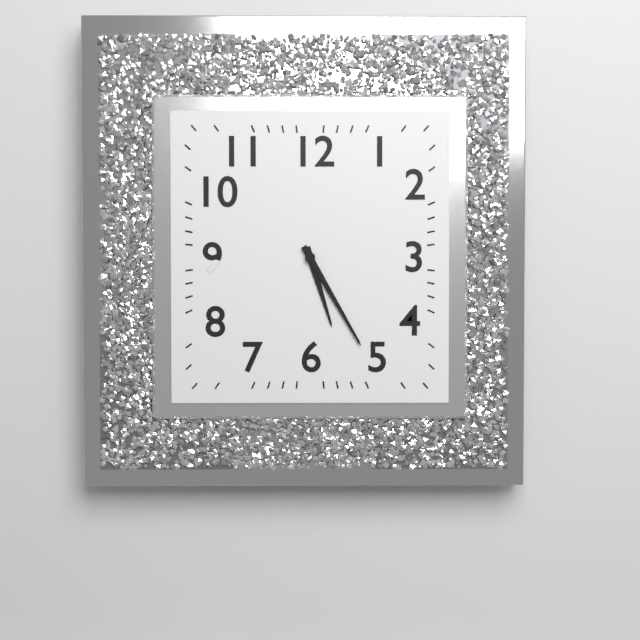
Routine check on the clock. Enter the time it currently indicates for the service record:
5:25
